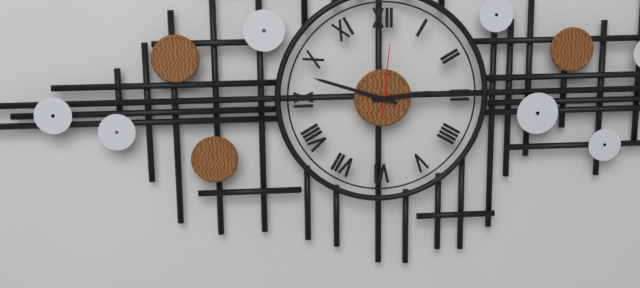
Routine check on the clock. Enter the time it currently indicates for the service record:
2:48:01
